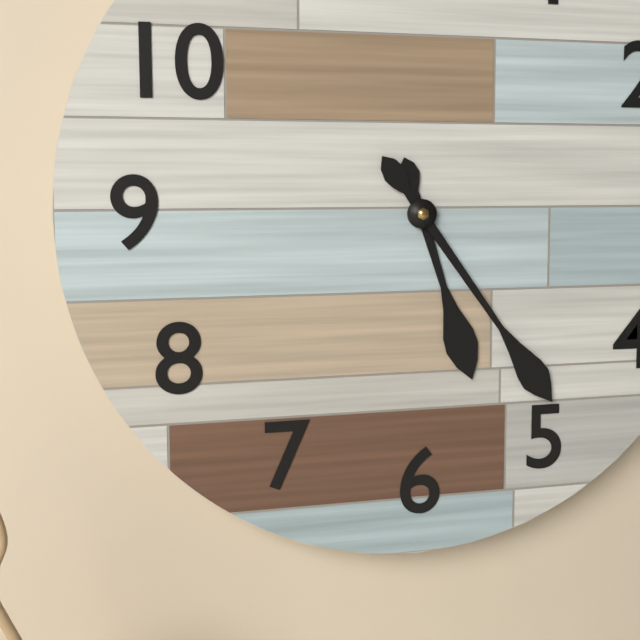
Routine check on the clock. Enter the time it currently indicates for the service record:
5:24
